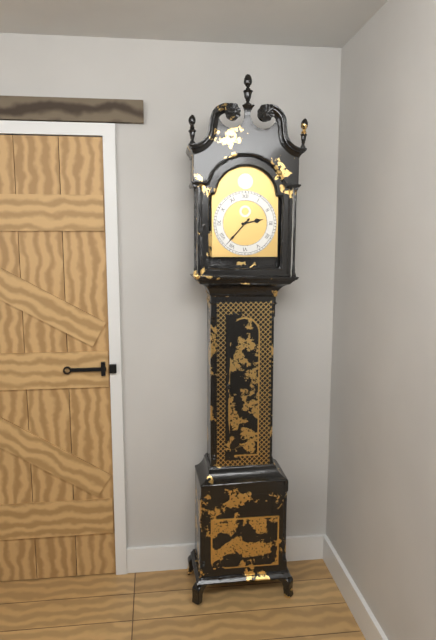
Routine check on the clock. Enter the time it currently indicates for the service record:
2:37
